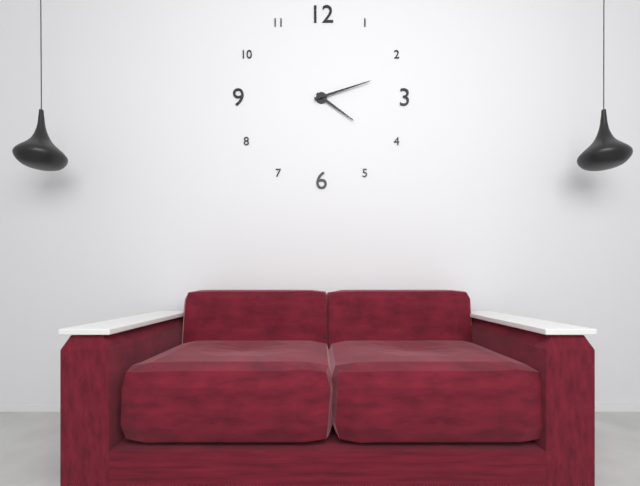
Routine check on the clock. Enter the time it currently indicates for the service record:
4:12
